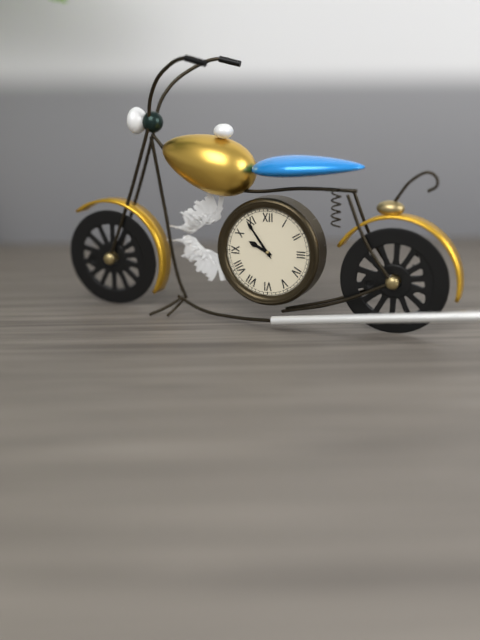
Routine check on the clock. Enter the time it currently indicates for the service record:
9:54
